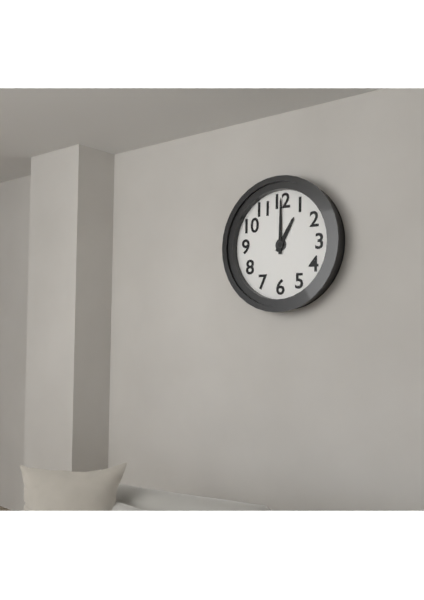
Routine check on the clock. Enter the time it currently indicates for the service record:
1:00
